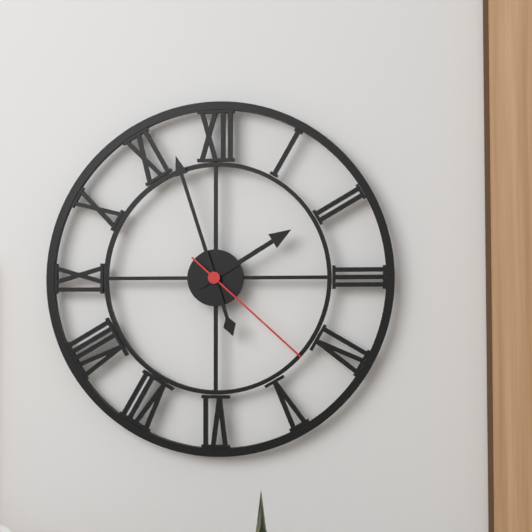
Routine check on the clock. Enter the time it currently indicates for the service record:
1:57:22
